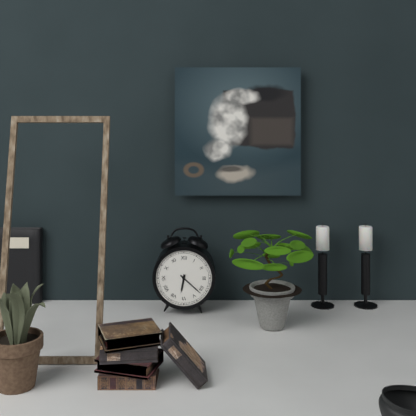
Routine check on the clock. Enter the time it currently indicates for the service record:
6:22
